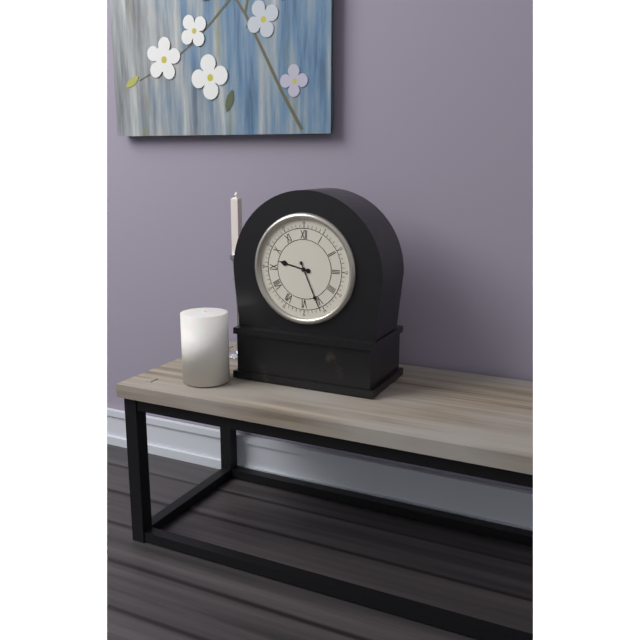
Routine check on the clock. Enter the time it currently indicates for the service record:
9:26
